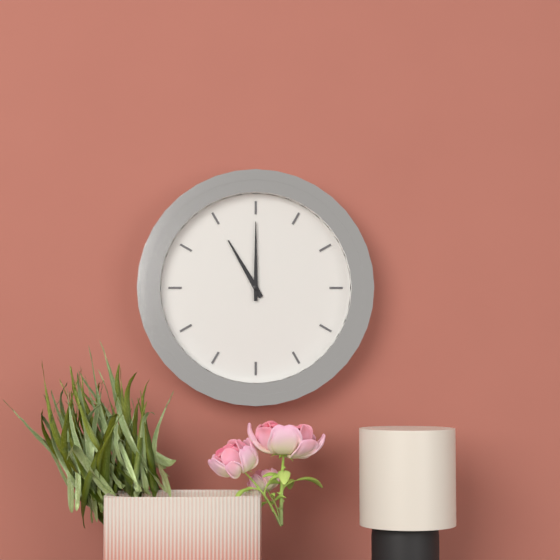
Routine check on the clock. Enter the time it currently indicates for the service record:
11:00
